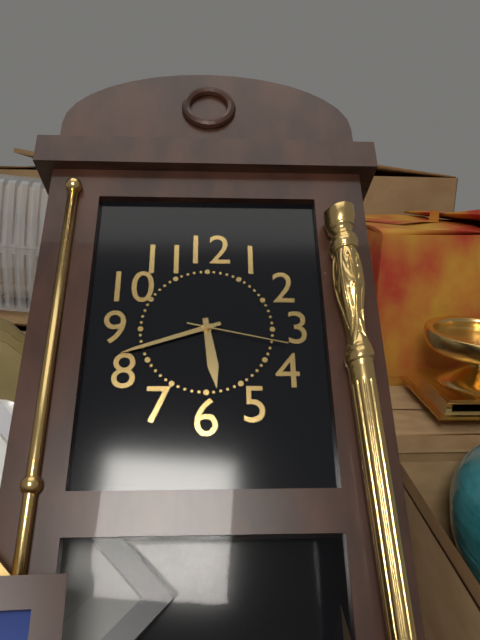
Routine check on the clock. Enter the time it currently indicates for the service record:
5:42:17
